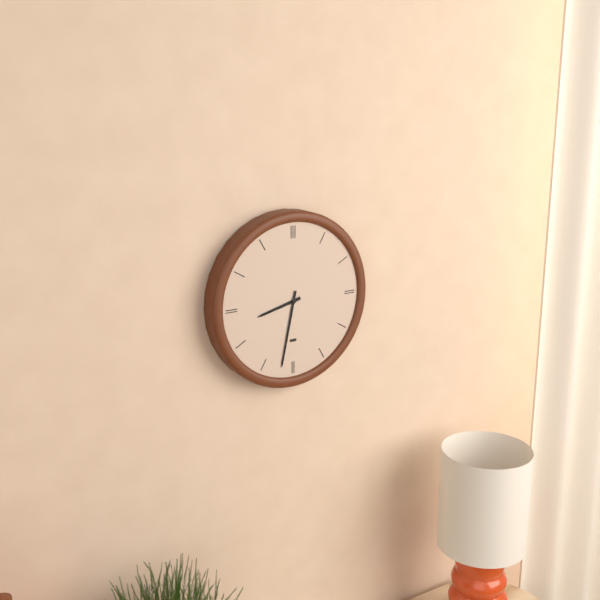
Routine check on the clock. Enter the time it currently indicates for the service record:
8:32
